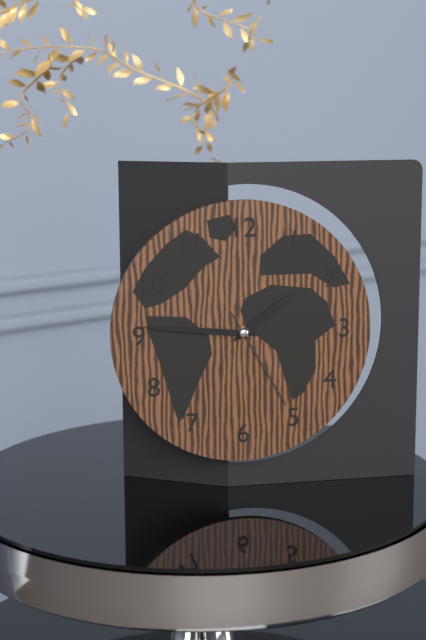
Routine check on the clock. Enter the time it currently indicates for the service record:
1:46:25
